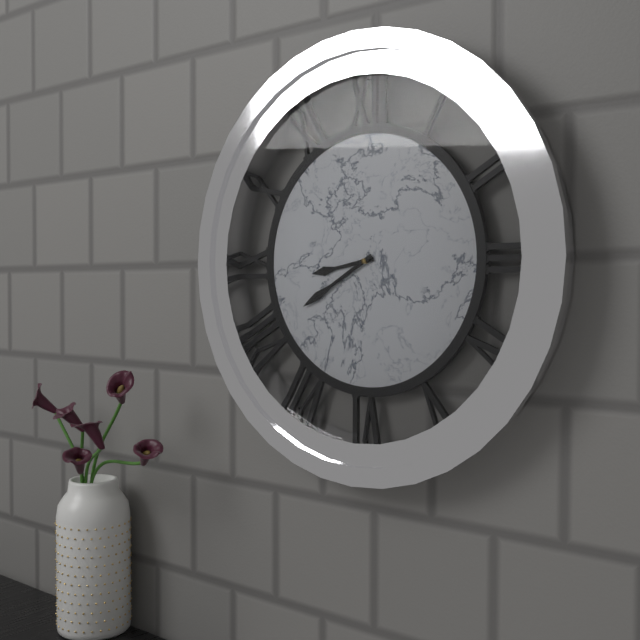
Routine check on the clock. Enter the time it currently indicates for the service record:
8:40
